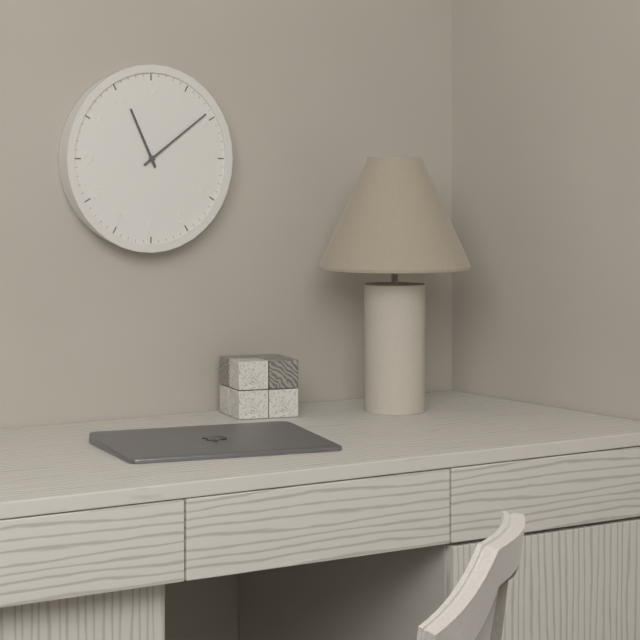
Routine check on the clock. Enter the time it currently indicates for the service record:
11:09
